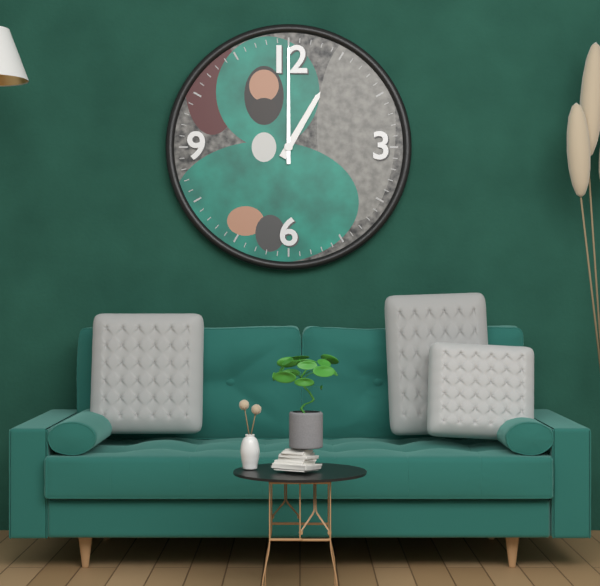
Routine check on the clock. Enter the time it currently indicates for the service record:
1:00
